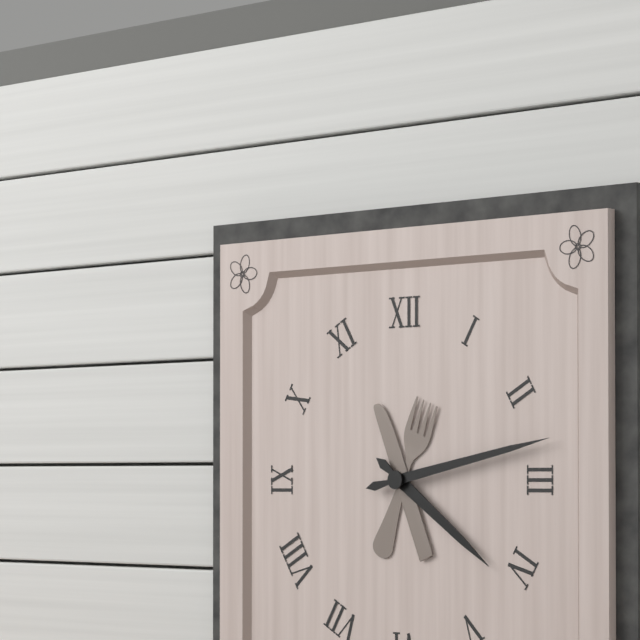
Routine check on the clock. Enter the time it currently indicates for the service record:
4:13
